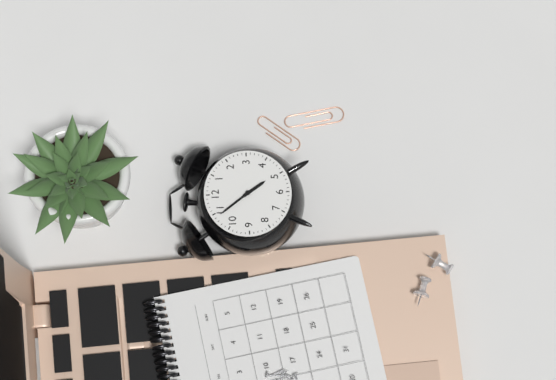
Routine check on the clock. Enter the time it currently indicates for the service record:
4:54
